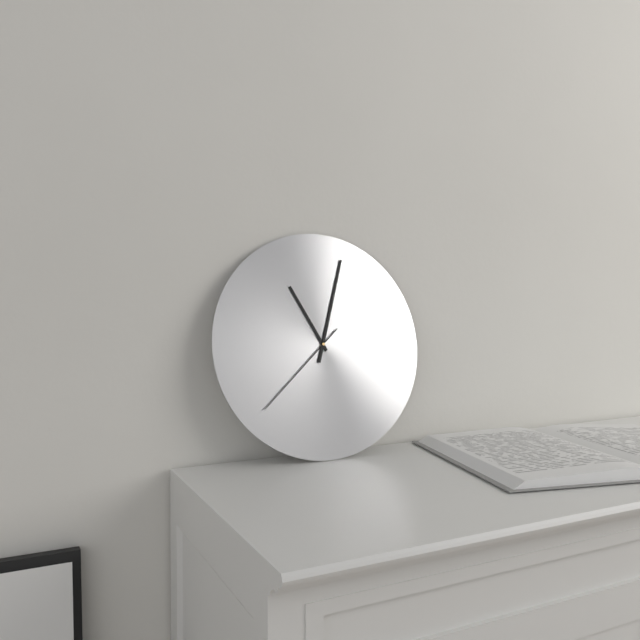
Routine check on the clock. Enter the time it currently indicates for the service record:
11:03:38
